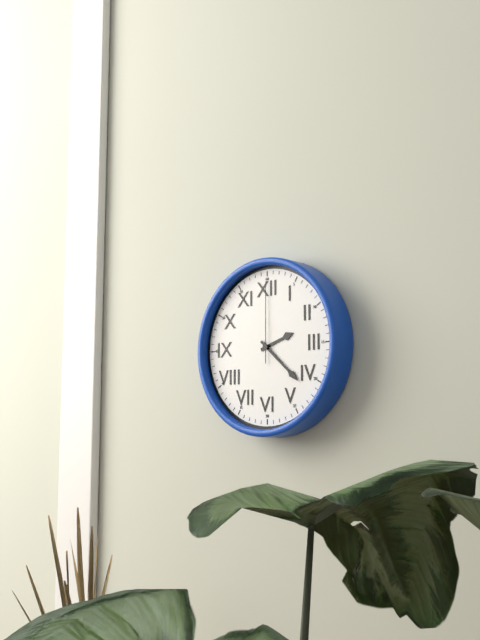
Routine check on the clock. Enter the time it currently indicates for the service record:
2:22:00
